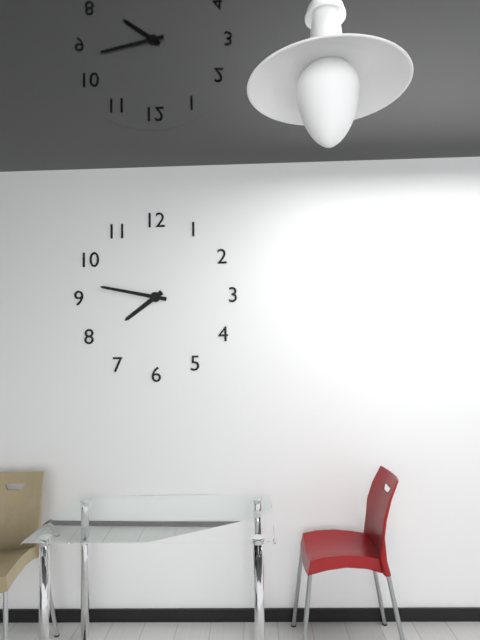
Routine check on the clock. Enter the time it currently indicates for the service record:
7:47
